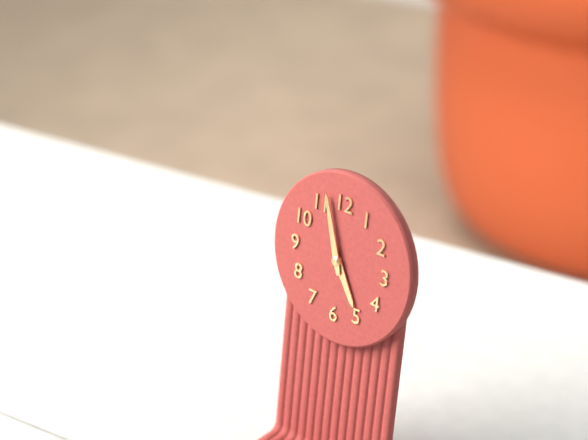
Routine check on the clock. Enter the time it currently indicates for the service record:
4:57
